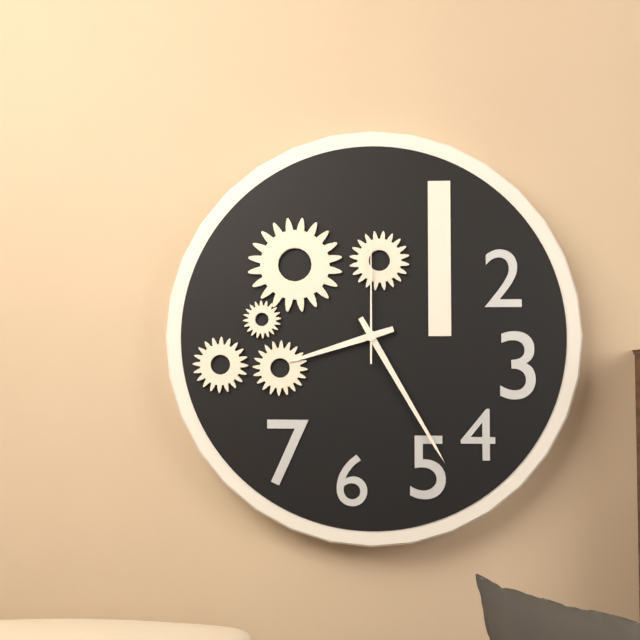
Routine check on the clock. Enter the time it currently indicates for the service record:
8:25:00
